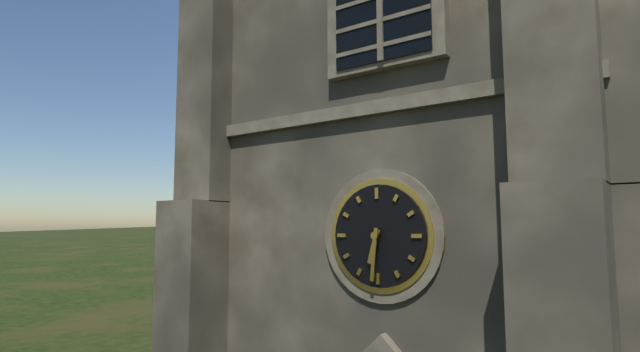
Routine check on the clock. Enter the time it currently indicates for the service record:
6:31
